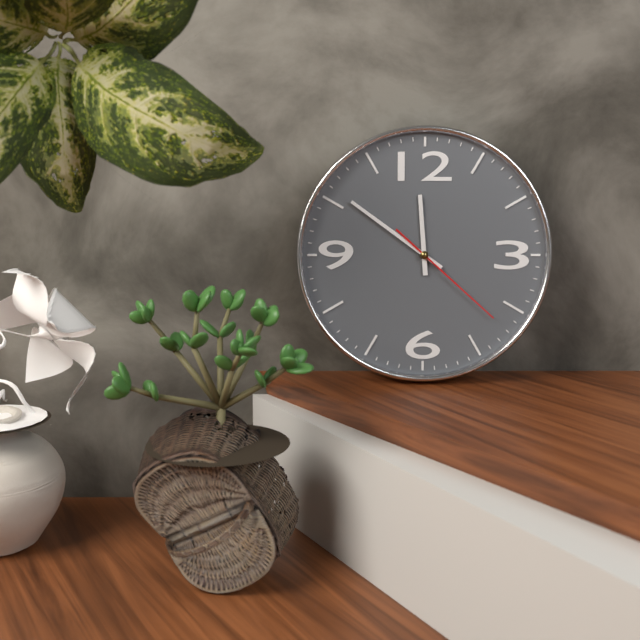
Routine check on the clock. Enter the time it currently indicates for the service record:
11:51:22
